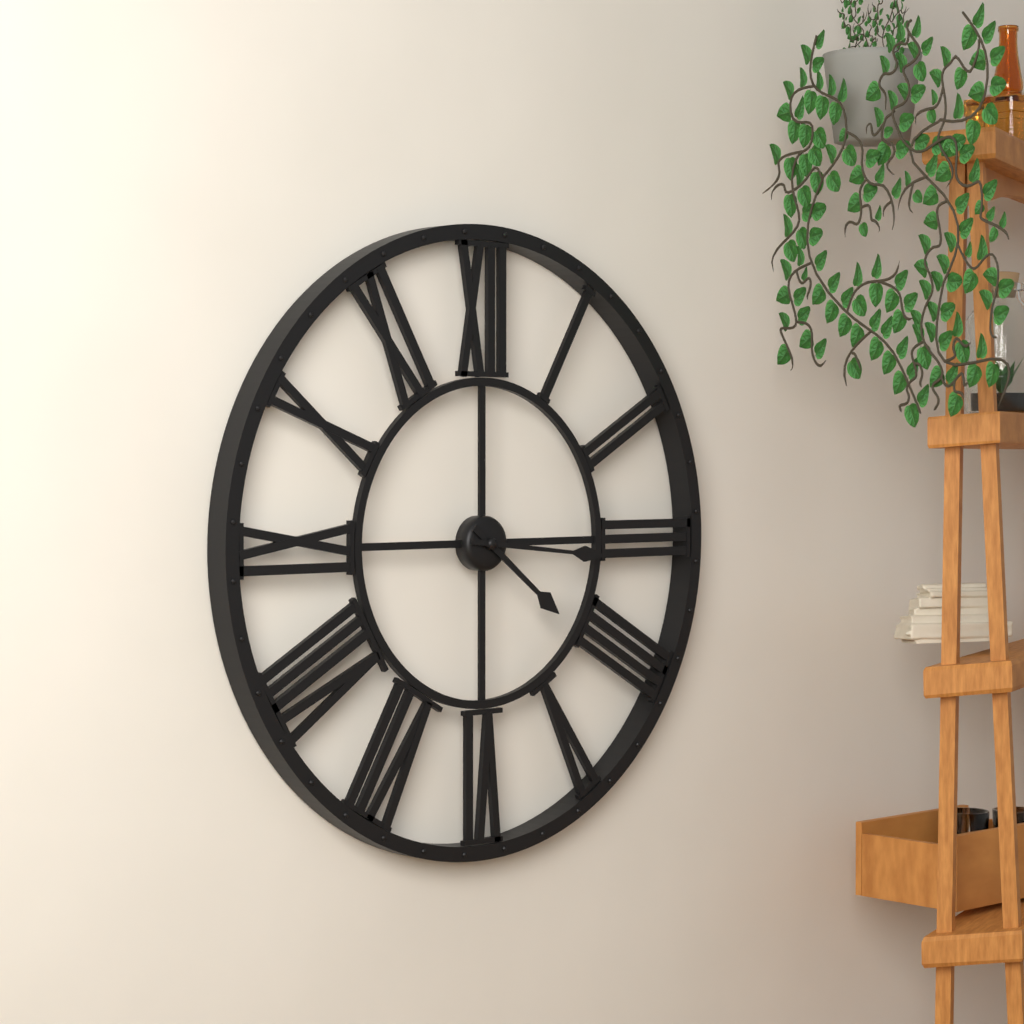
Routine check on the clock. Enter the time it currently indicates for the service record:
4:16
